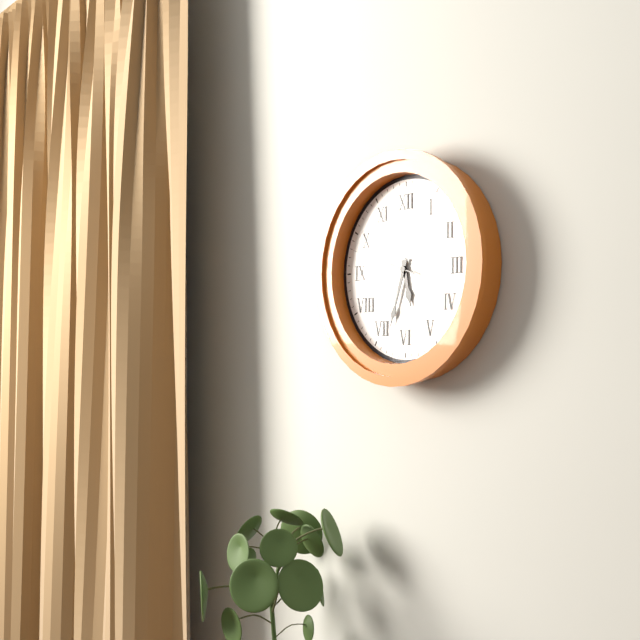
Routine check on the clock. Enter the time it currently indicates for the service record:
5:33:48
